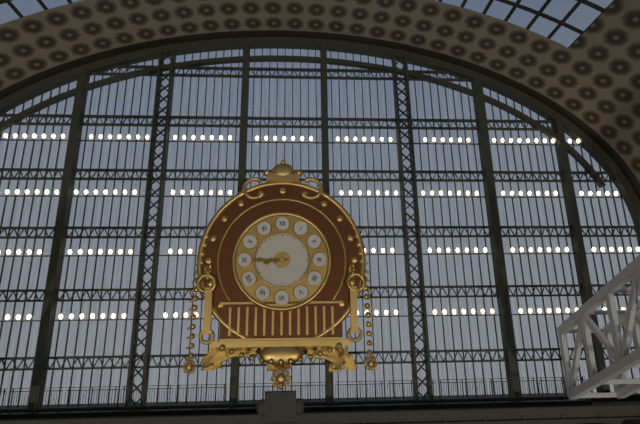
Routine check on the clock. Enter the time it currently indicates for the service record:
8:45
